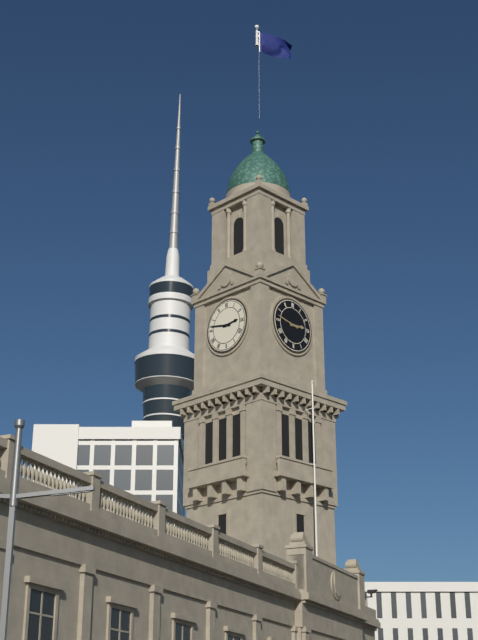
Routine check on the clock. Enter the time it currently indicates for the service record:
2:47
